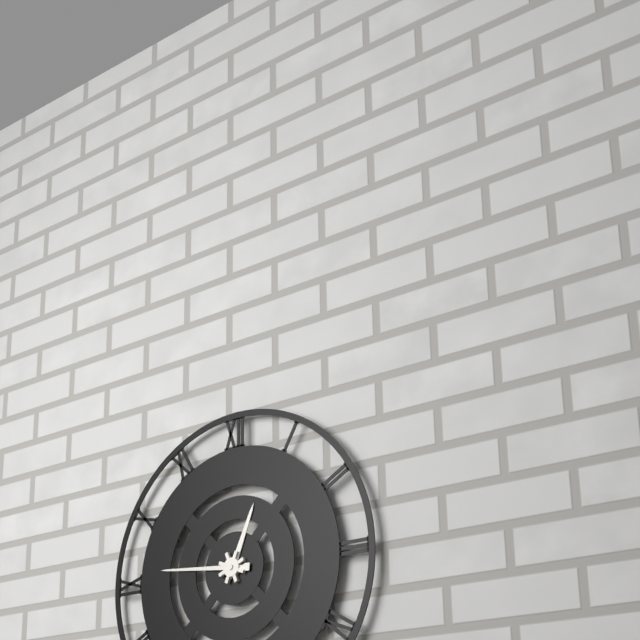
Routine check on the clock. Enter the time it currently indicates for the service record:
12:46
